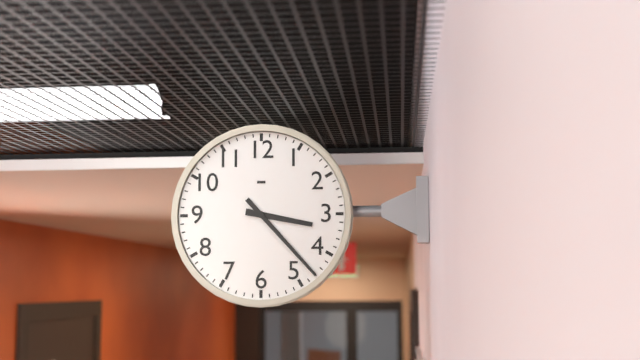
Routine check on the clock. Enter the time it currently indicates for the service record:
3:23
